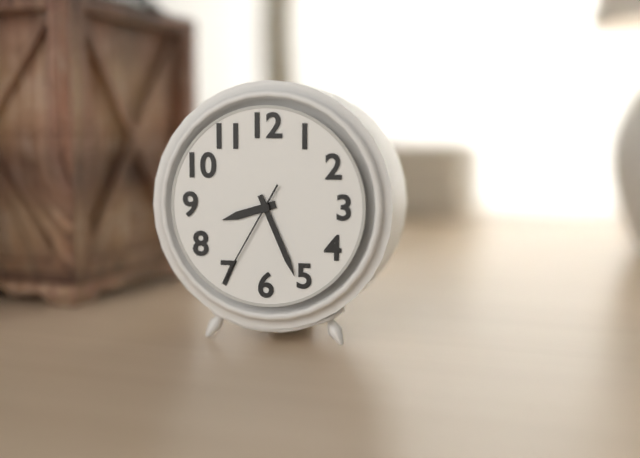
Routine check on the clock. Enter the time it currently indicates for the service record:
8:26:35
